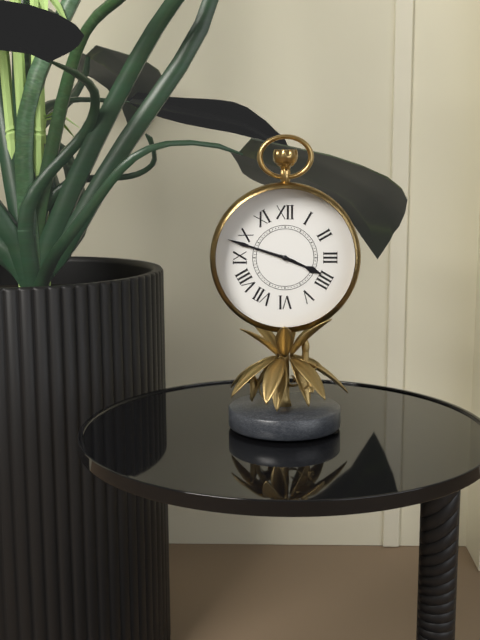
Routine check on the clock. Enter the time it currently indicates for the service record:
3:48
